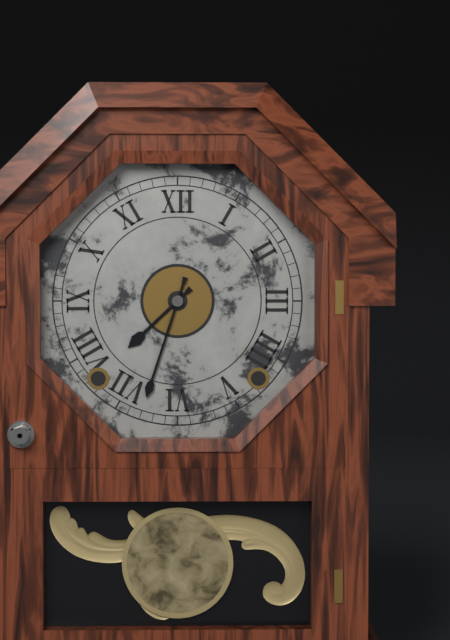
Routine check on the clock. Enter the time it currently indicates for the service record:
7:33
